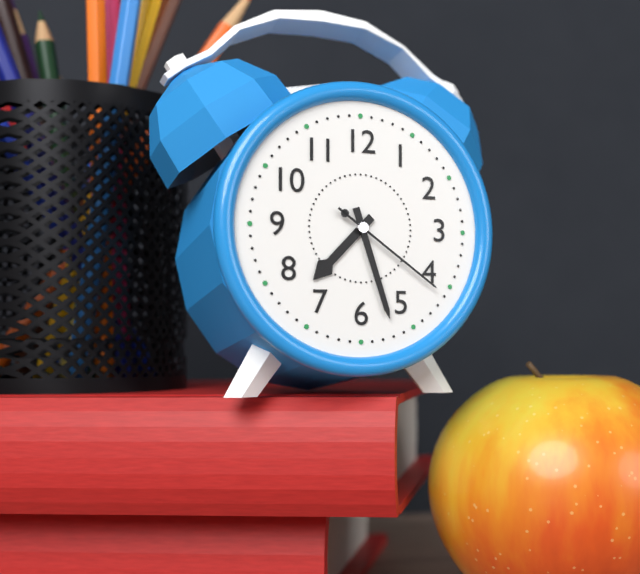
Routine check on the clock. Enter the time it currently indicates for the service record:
7:27:21
